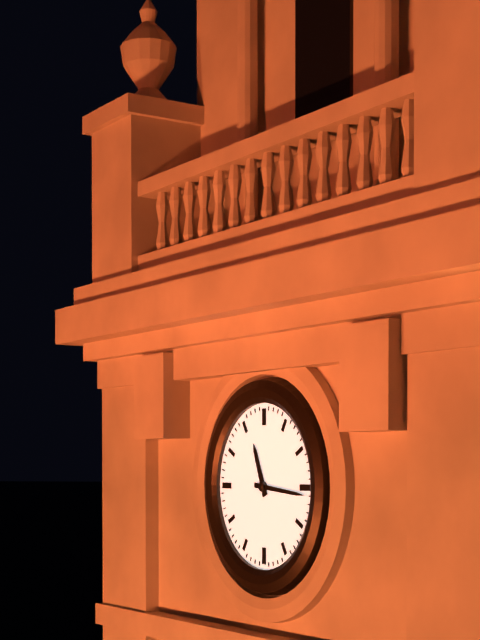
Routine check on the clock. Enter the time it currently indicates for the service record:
11:16
